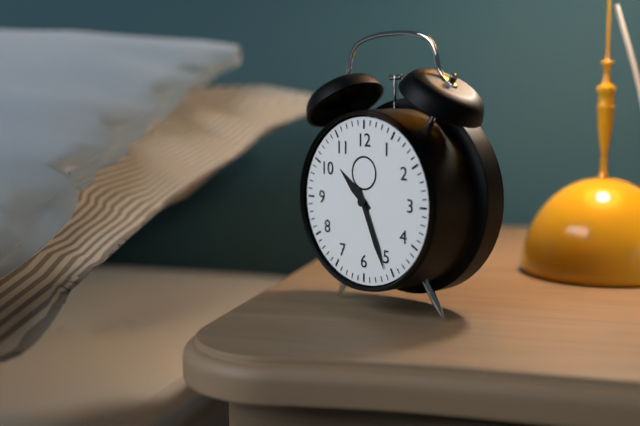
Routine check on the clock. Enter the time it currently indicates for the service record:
10:26
